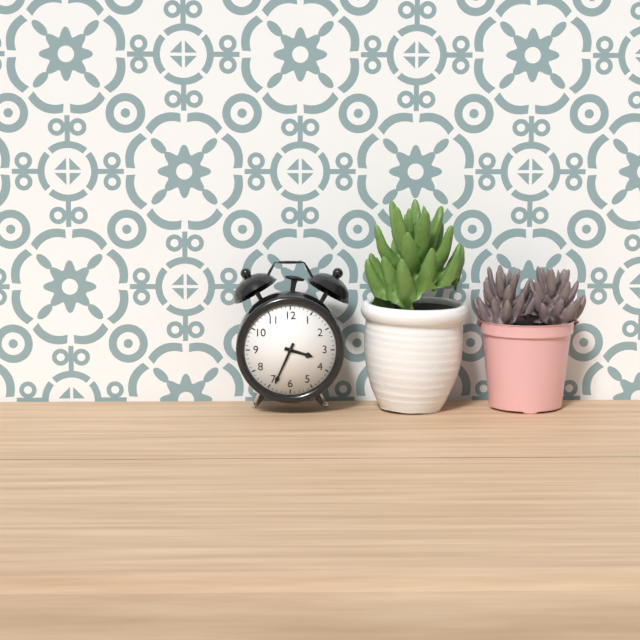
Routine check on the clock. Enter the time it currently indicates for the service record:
3:34
